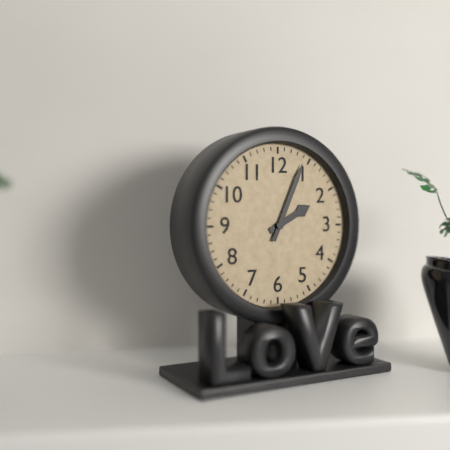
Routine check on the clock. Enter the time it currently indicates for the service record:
2:04
